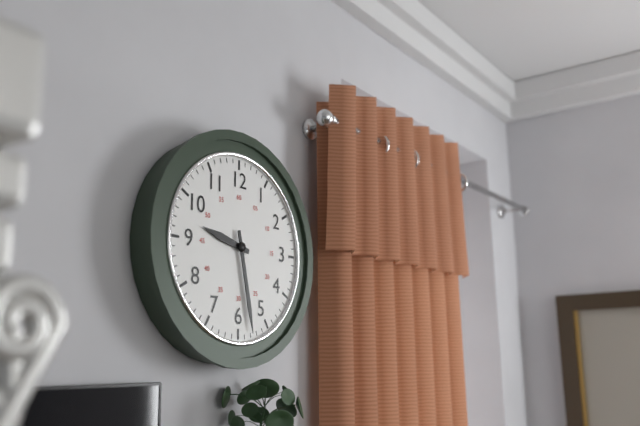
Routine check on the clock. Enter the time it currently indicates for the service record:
9:28
